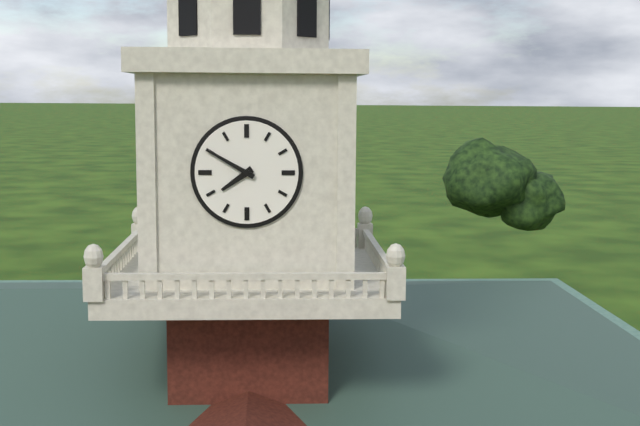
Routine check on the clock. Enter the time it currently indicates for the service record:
7:50
